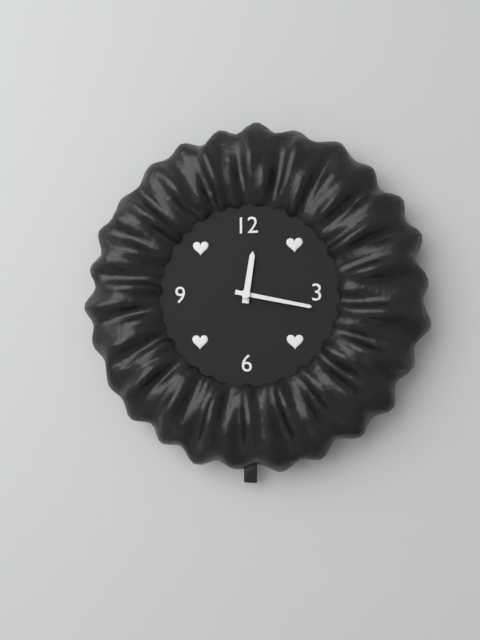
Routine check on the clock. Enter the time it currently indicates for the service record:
12:17
